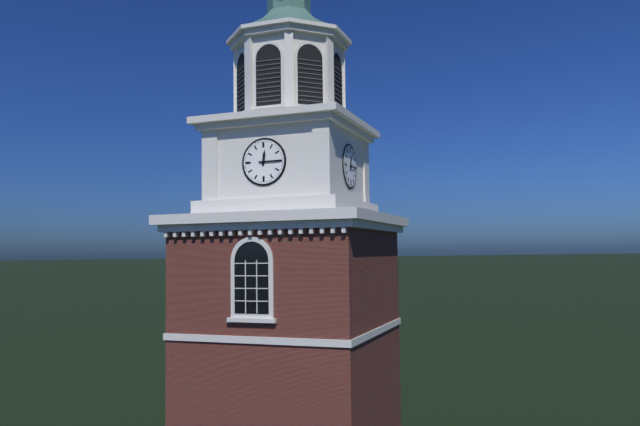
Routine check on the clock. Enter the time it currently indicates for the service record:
12:15
